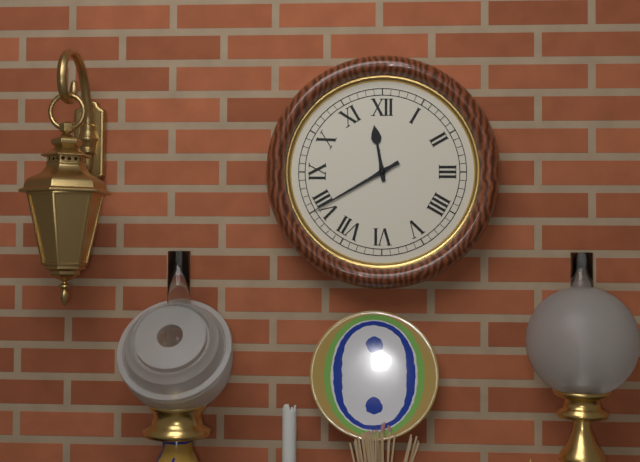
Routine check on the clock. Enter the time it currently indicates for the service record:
11:40
